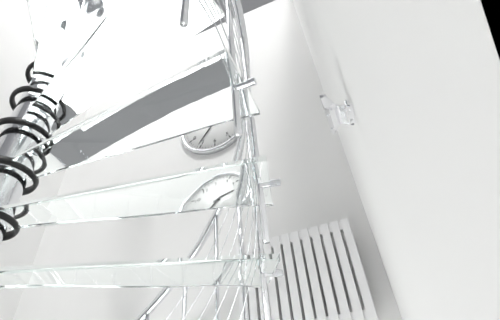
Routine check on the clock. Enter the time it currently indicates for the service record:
2:36
